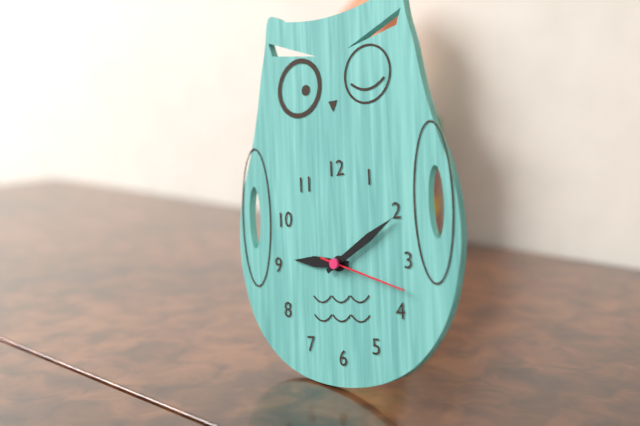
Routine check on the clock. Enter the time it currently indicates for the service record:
9:10:18
